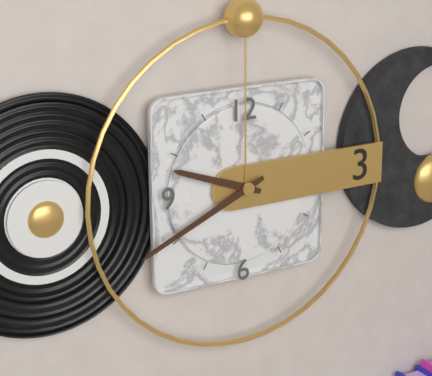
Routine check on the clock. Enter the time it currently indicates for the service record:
9:41
